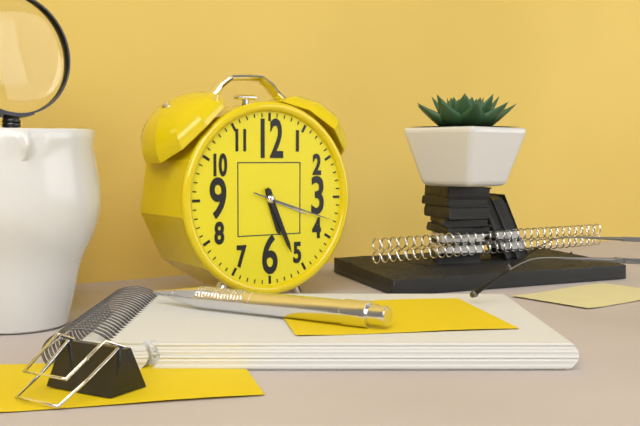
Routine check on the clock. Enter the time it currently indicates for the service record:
5:26:18
